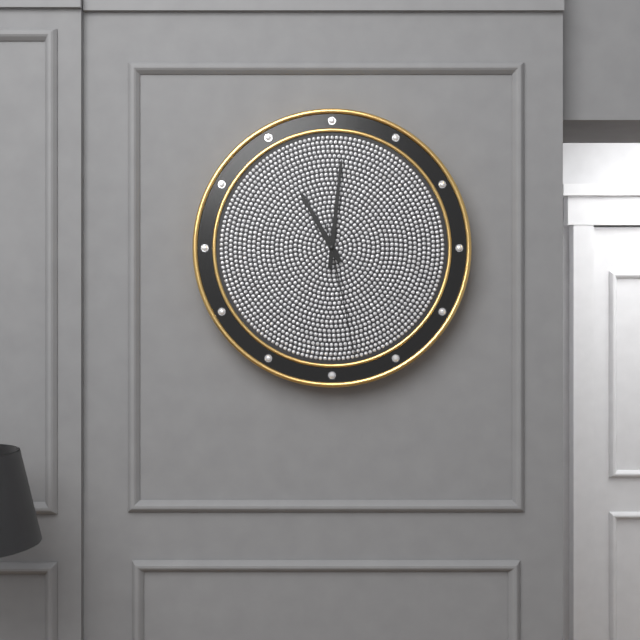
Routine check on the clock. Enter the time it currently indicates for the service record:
11:01:28
